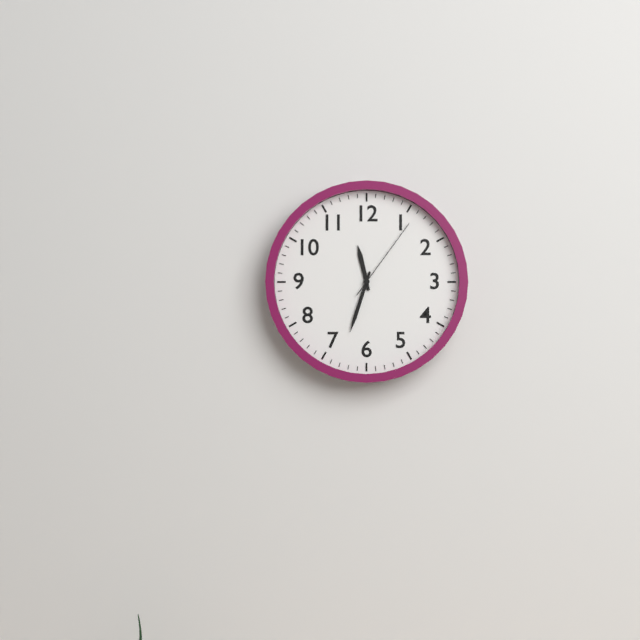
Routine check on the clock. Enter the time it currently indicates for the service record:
11:33:06
